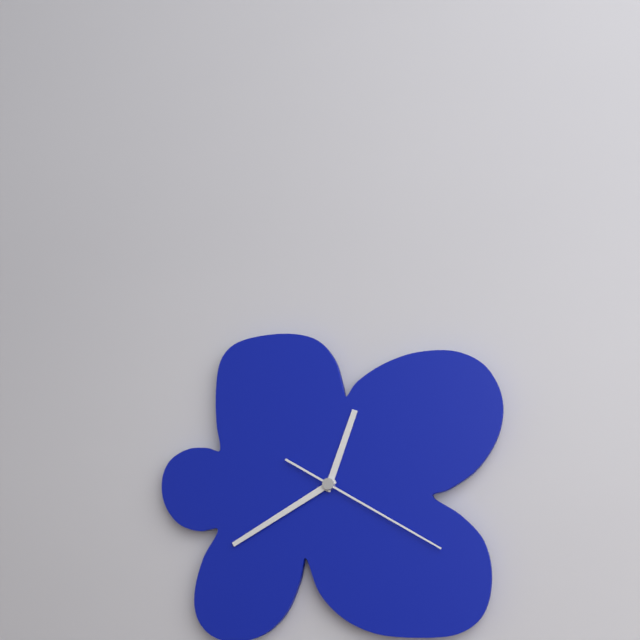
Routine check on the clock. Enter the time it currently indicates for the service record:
12:40:20
